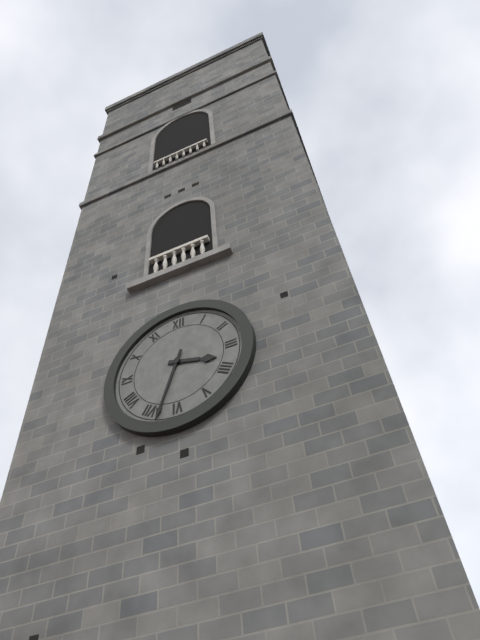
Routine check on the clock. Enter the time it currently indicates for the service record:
3:33
